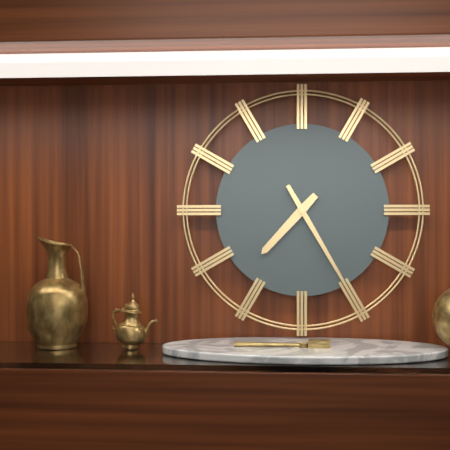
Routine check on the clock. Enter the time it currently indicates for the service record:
7:25
